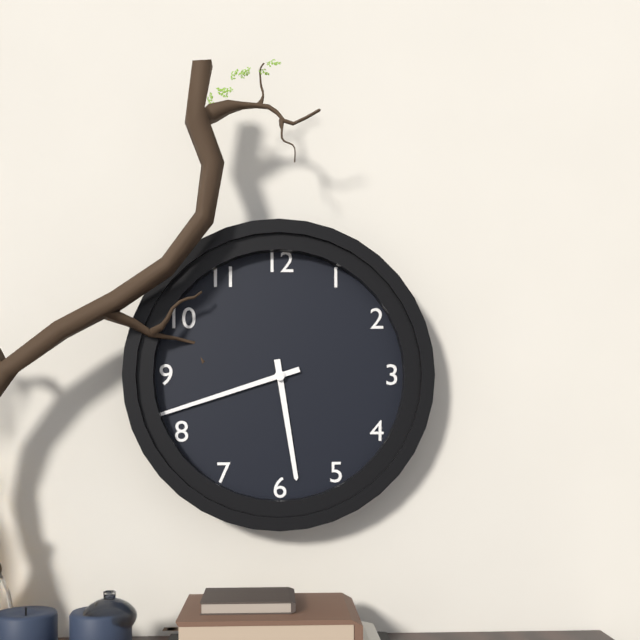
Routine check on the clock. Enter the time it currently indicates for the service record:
5:42
